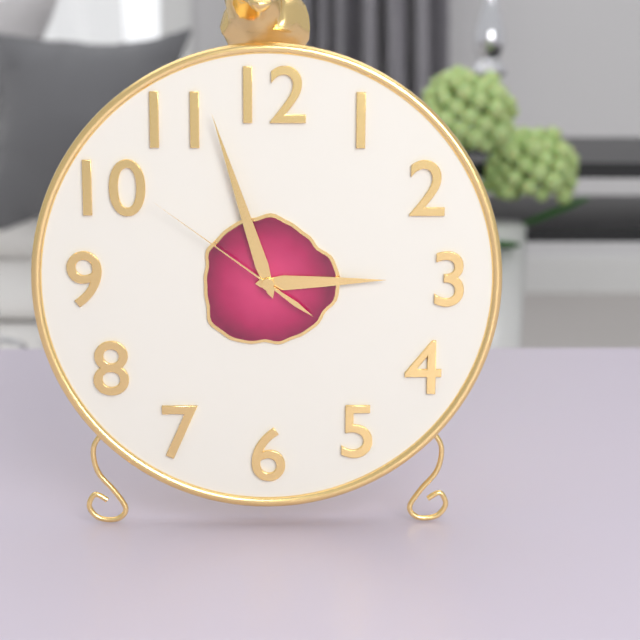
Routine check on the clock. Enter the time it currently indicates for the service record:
2:57:51
